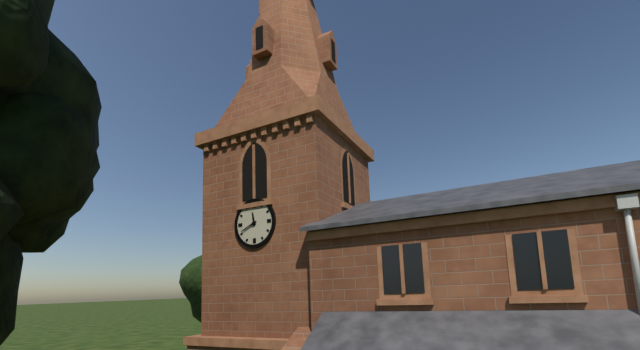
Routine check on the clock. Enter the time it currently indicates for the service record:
11:41
